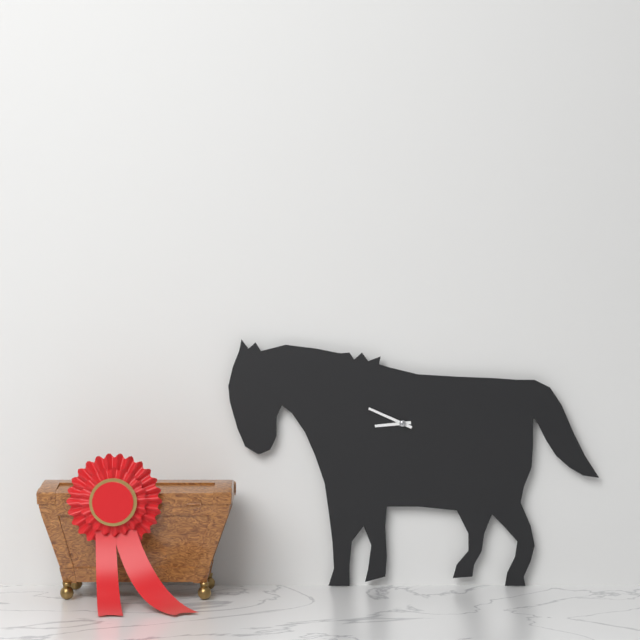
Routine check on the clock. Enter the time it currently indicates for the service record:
8:49
